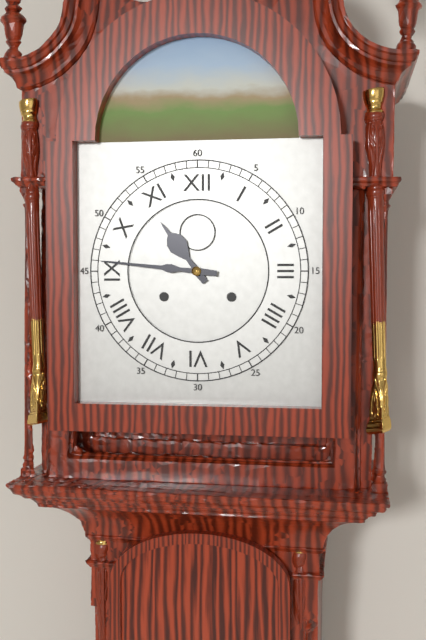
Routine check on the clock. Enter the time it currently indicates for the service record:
10:46
